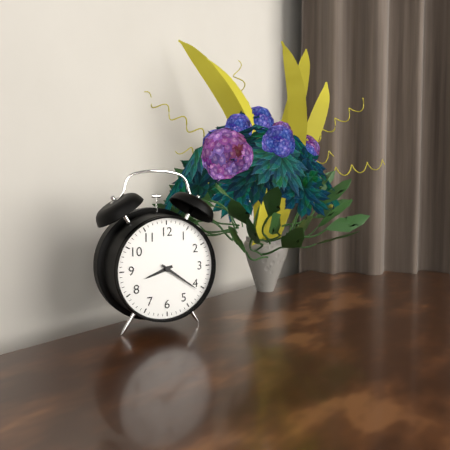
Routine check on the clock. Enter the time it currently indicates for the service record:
8:21
